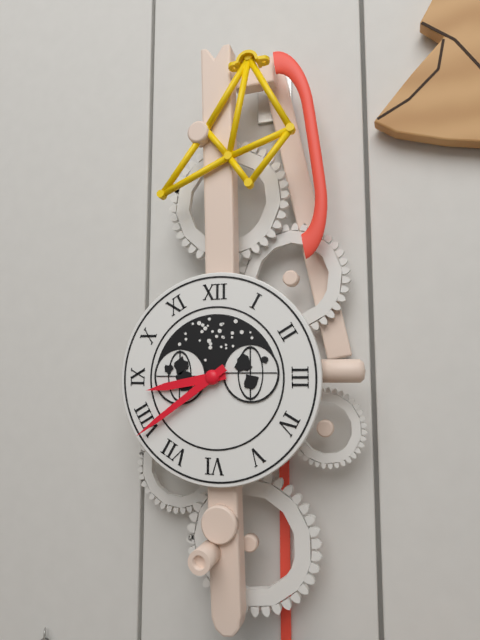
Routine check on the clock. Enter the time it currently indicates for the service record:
8:39
